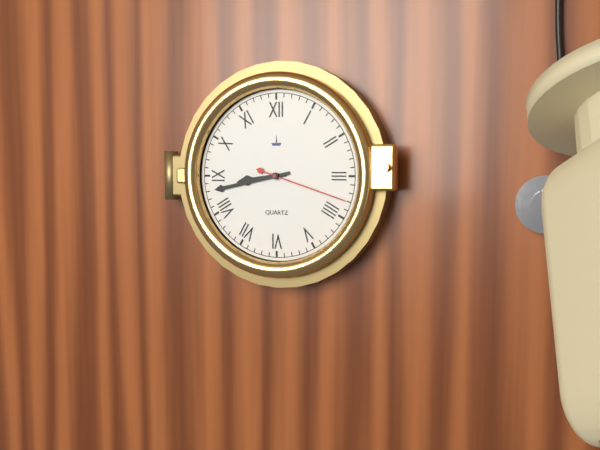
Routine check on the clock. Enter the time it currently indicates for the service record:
8:43:18
